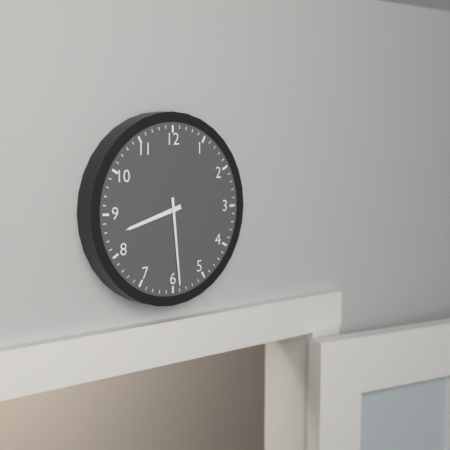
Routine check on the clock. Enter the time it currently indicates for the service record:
8:29
